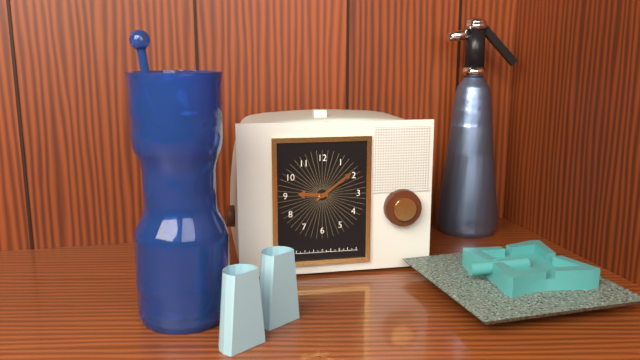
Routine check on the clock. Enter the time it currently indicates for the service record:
9:09
